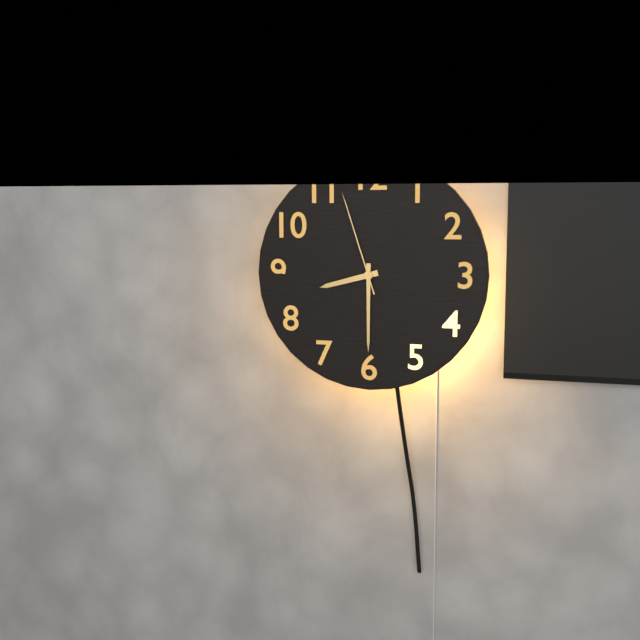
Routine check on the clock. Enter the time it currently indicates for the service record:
8:30:57
